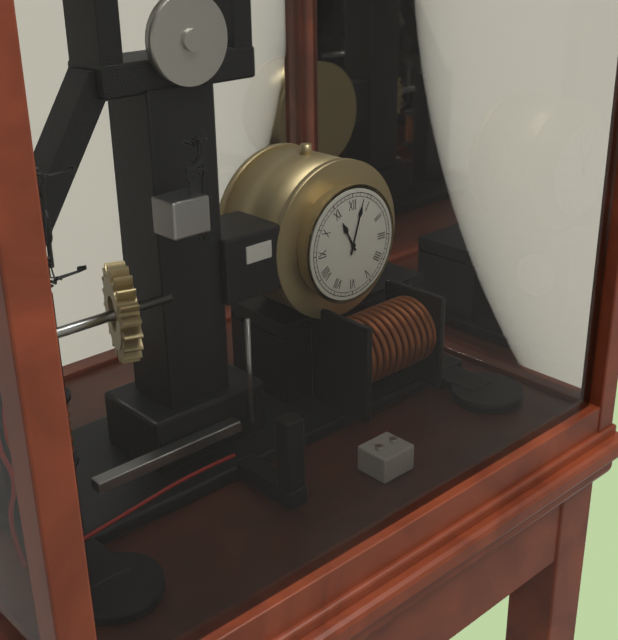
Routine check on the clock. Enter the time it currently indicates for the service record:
11:03
